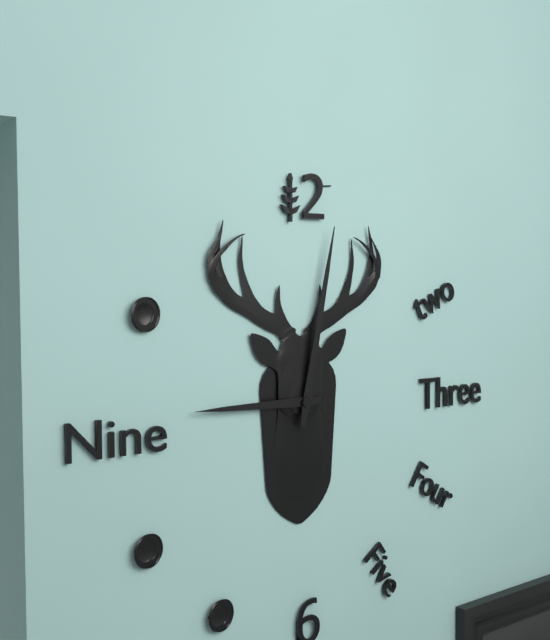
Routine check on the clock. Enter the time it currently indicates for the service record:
9:02
